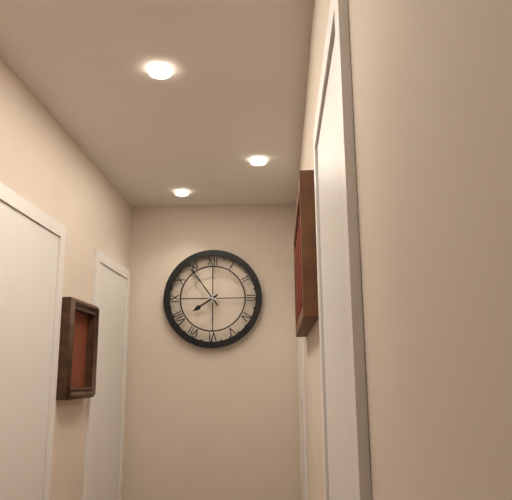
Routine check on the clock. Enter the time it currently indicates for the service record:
7:54
